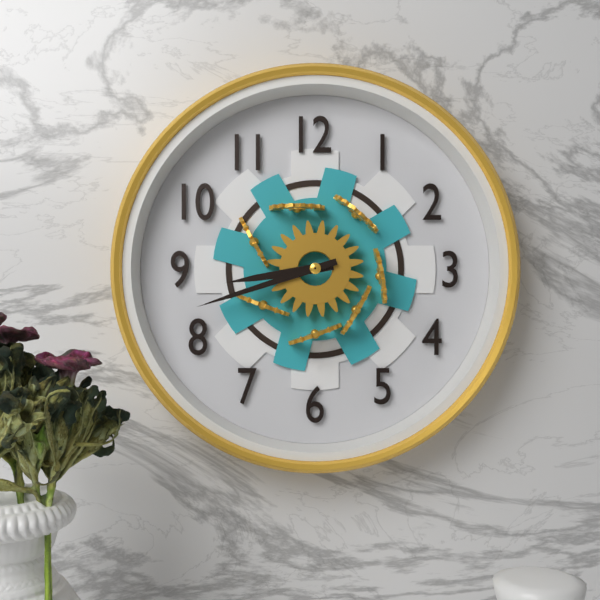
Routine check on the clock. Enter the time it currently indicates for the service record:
8:42
